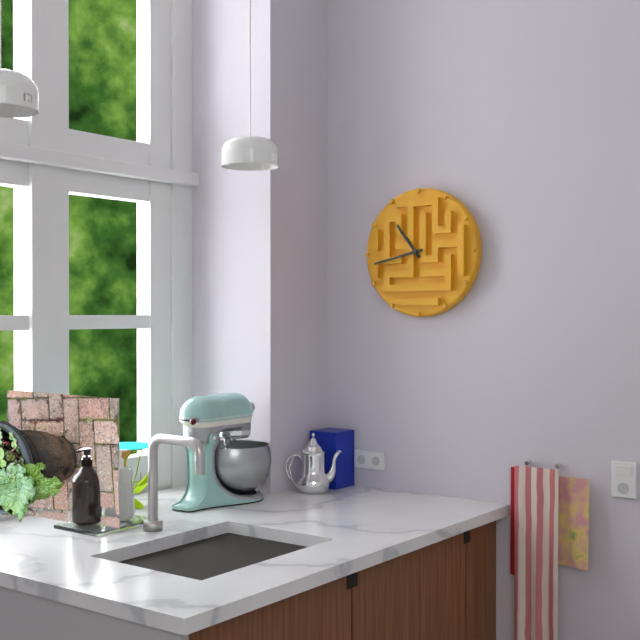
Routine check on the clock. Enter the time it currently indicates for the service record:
10:43
